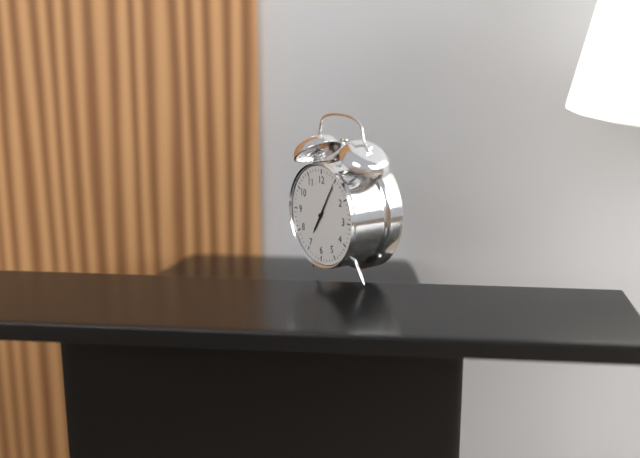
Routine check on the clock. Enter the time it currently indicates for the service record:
7:05
